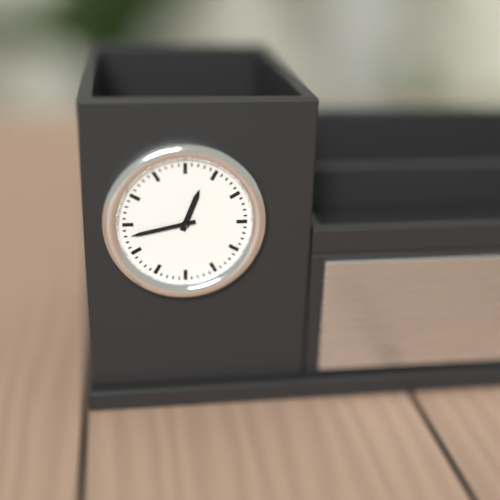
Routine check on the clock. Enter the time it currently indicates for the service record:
12:43
